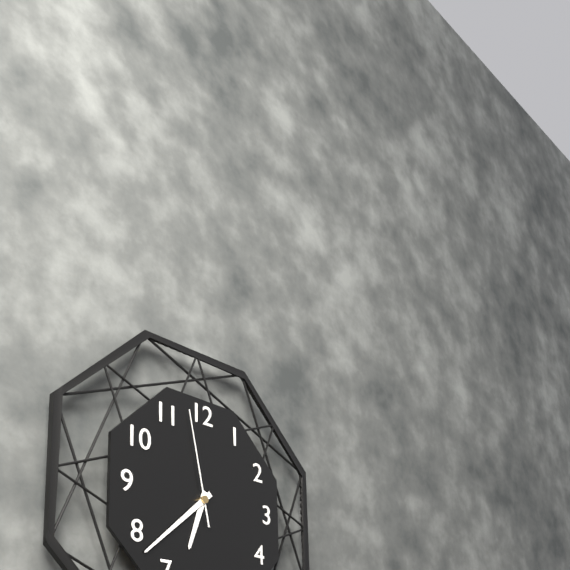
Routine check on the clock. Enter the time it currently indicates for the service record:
6:38:58
